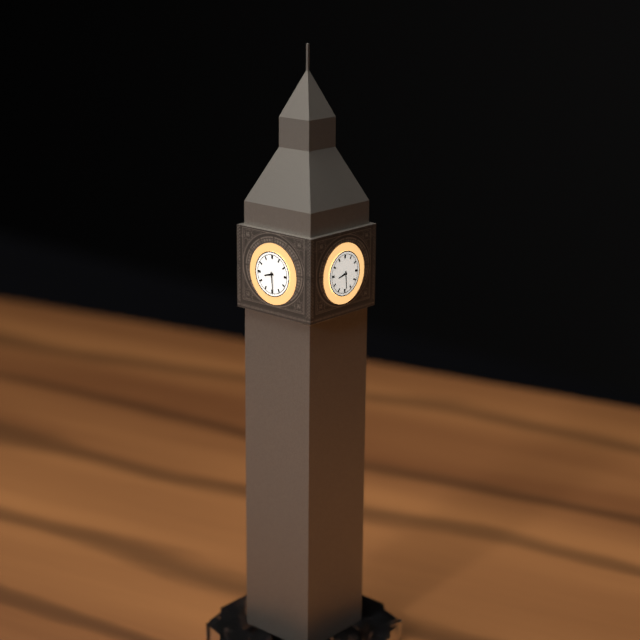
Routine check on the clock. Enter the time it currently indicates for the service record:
8:29
